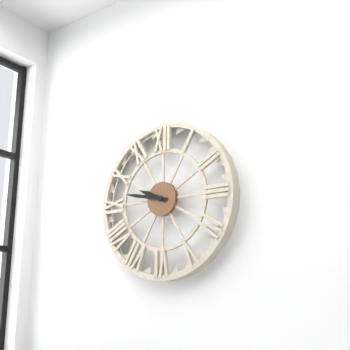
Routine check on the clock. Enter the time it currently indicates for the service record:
9:47
